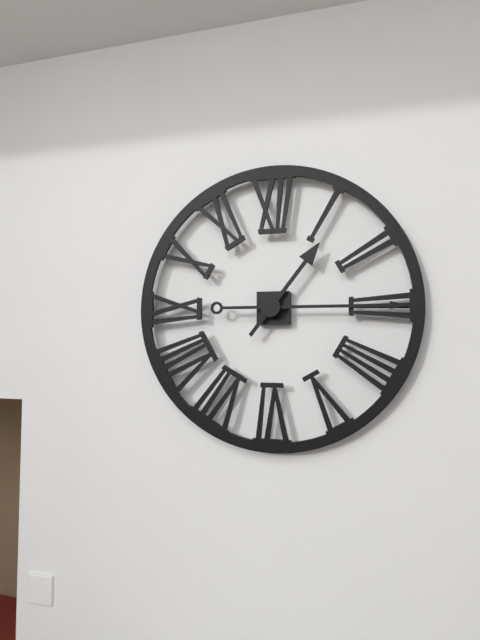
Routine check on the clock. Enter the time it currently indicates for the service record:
1:15
